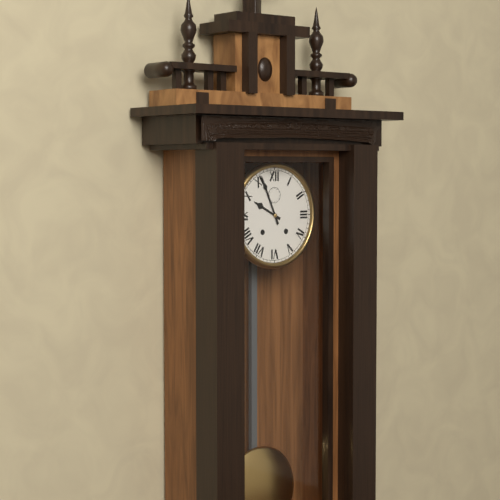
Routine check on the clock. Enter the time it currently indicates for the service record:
9:56
